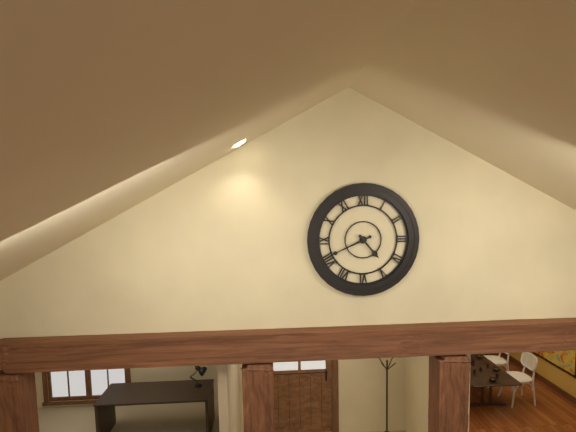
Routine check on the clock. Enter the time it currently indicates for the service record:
4:41
